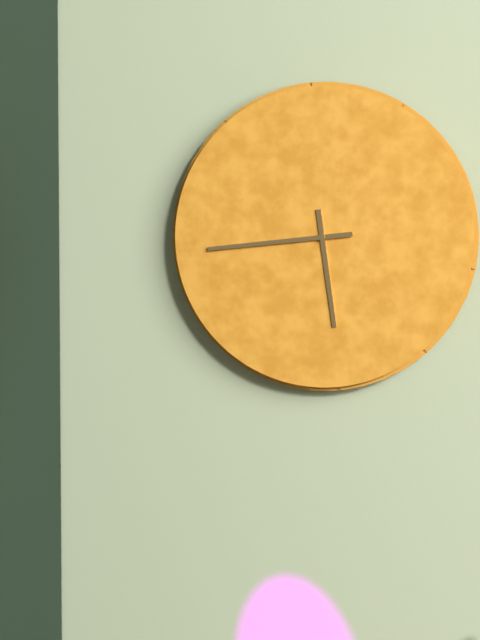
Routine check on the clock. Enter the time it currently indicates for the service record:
5:44
